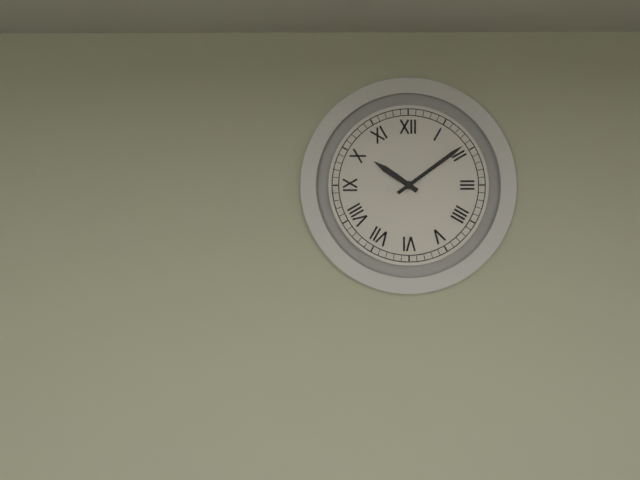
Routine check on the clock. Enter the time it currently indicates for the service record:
10:09
